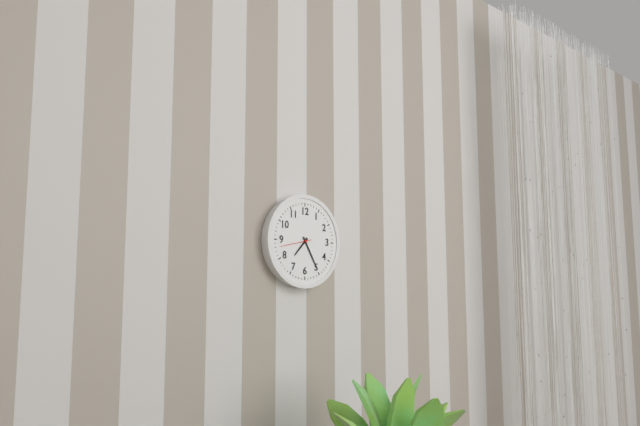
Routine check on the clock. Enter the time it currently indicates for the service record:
7:25
